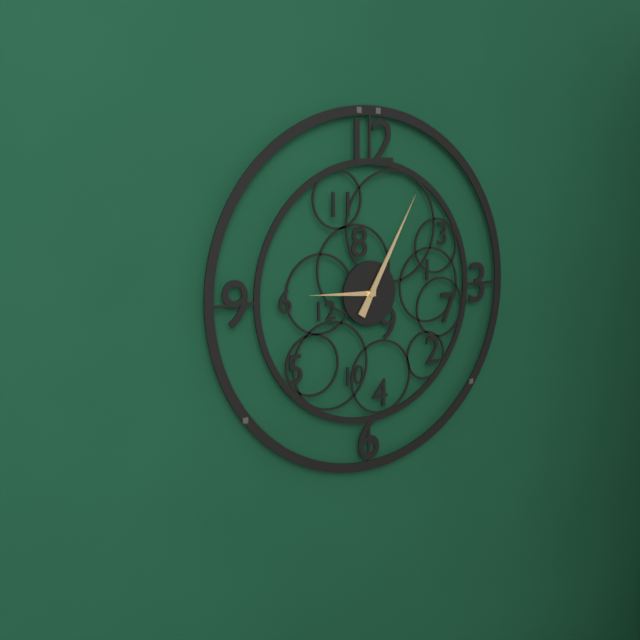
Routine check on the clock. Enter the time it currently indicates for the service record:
9:05
